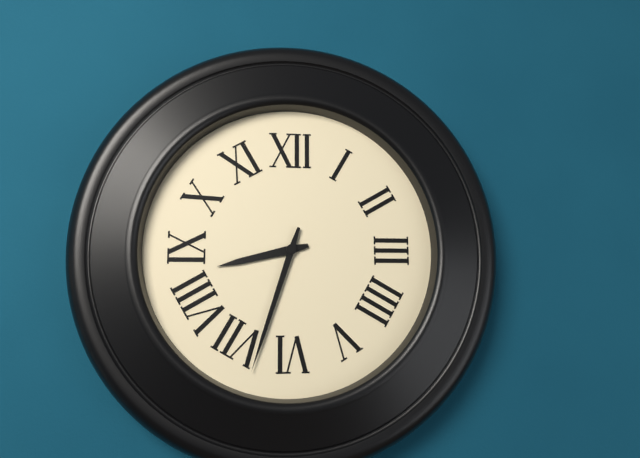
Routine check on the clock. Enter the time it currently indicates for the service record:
8:33
